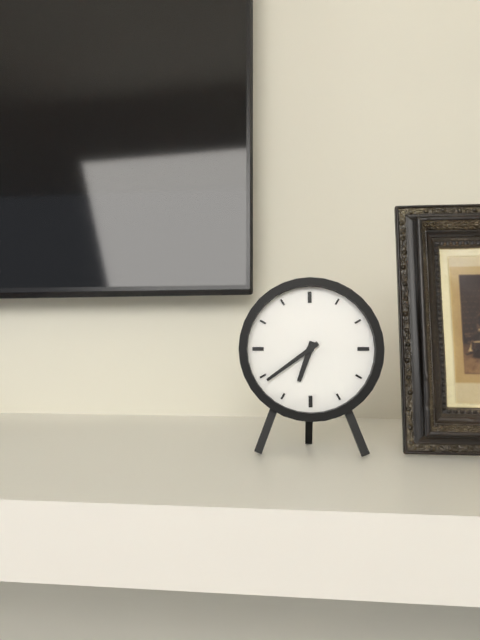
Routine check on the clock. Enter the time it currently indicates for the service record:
6:39
